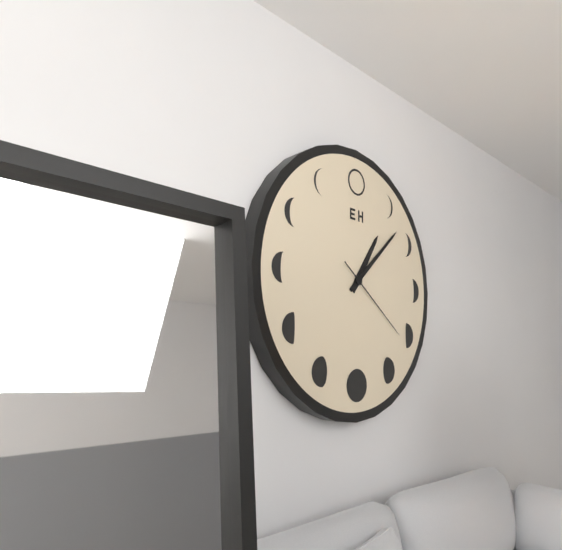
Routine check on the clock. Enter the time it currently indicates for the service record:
1:08:21
